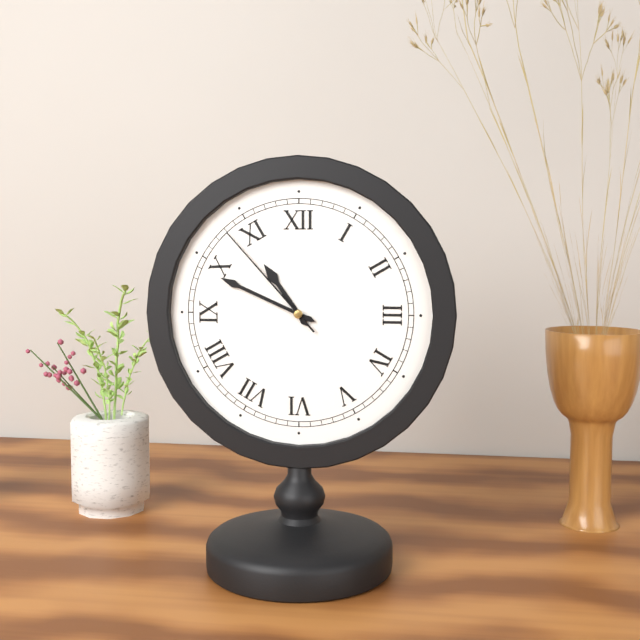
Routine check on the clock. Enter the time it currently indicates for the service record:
10:49:53
